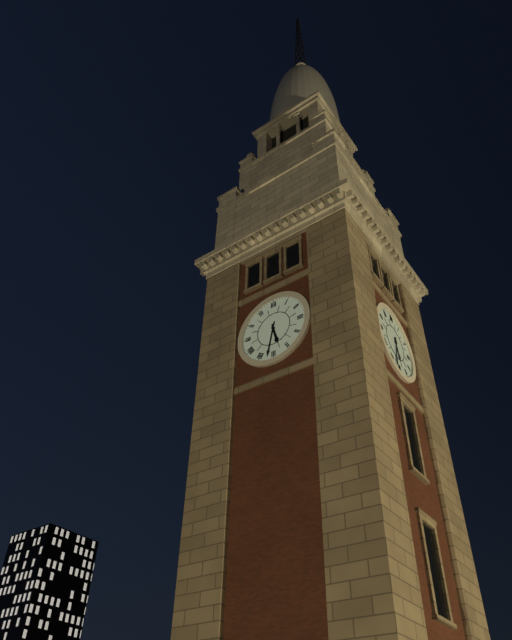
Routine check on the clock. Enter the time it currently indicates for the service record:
5:32
